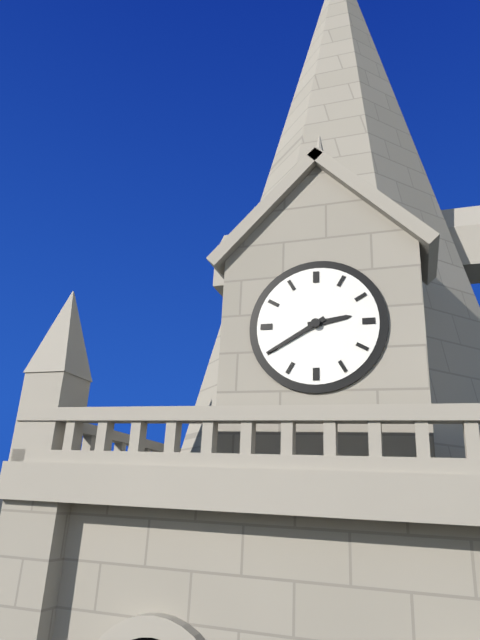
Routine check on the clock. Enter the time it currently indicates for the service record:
2:40
